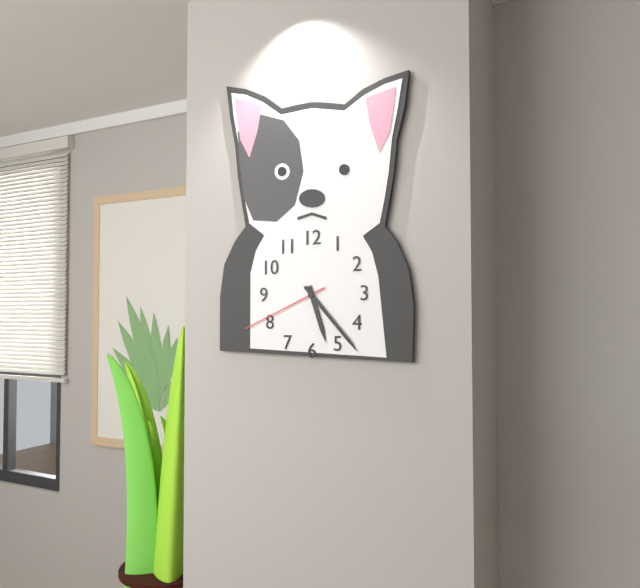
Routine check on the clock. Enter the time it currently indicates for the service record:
5:23:41
